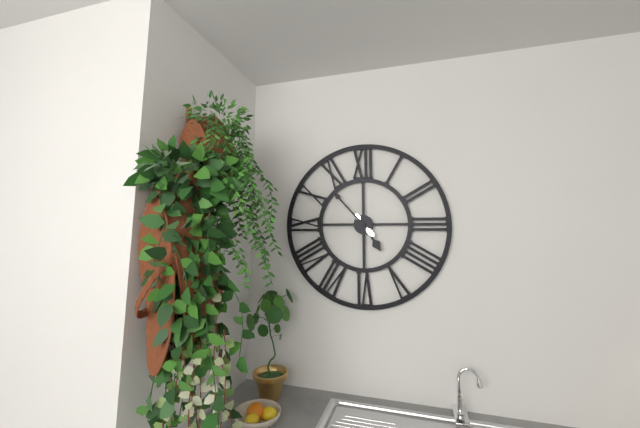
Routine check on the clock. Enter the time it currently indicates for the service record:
4:53
